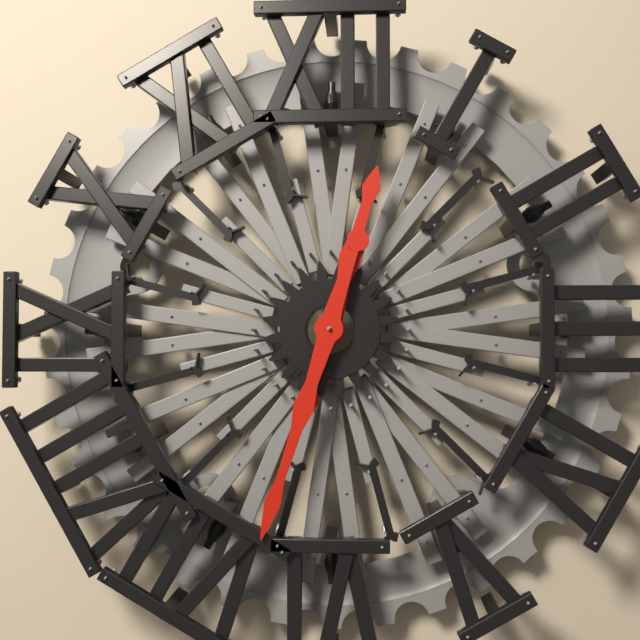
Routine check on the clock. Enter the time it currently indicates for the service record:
12:33
